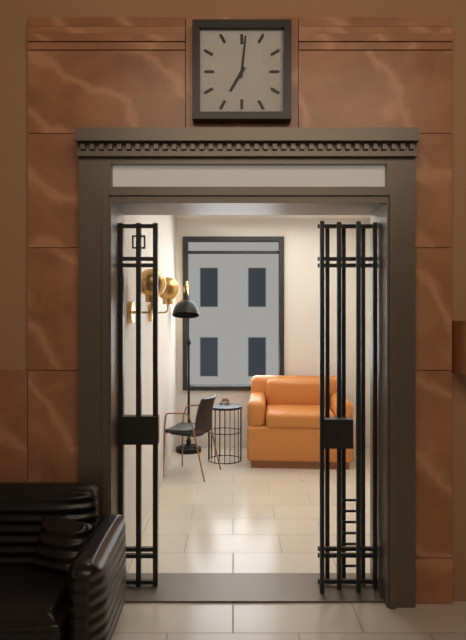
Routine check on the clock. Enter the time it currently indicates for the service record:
7:01
